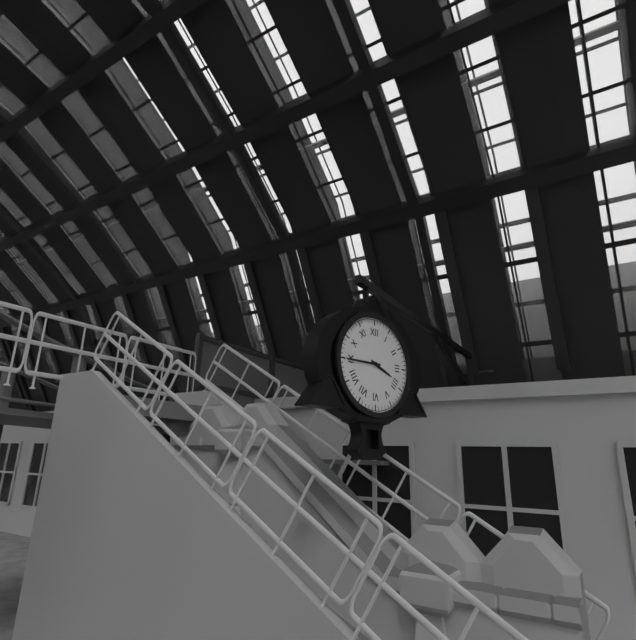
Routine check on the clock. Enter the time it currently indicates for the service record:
3:45
